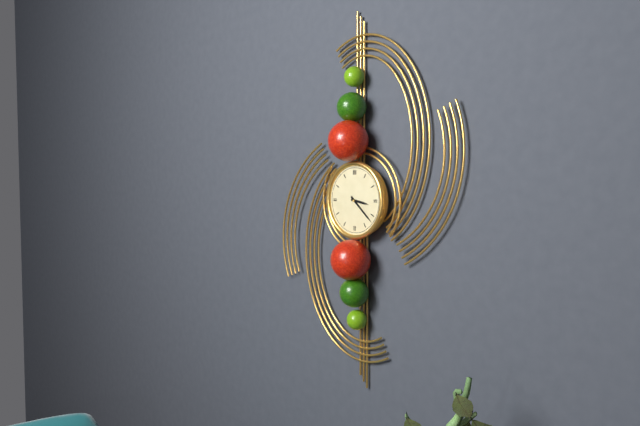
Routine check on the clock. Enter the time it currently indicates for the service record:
3:22
